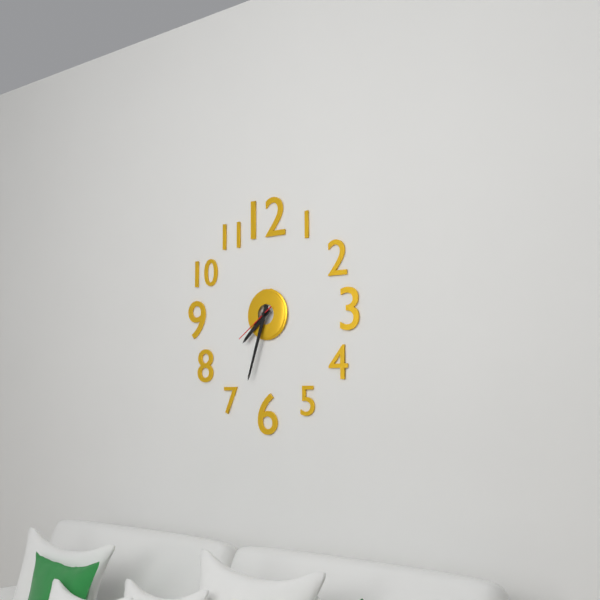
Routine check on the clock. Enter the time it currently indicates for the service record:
7:33
